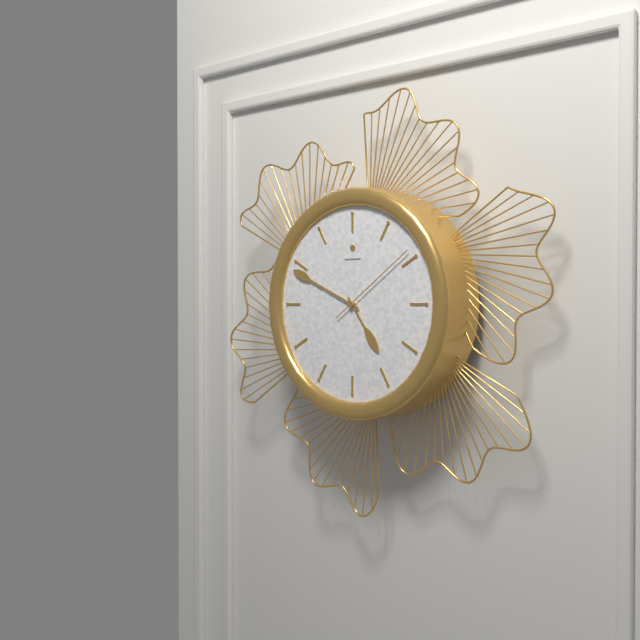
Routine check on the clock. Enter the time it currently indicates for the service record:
4:49:09
